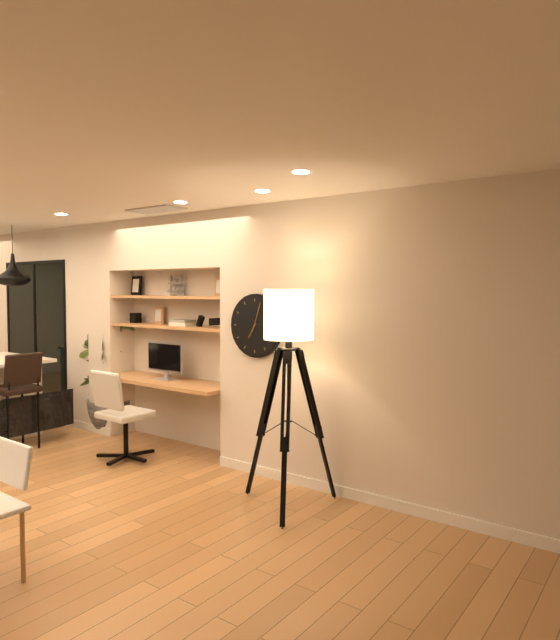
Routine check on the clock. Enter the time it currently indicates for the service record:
7:03
